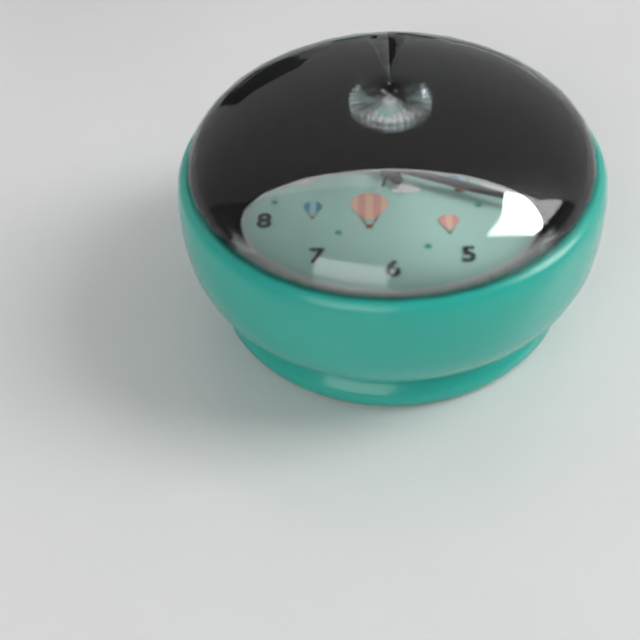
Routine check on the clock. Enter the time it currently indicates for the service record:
11:19:02
